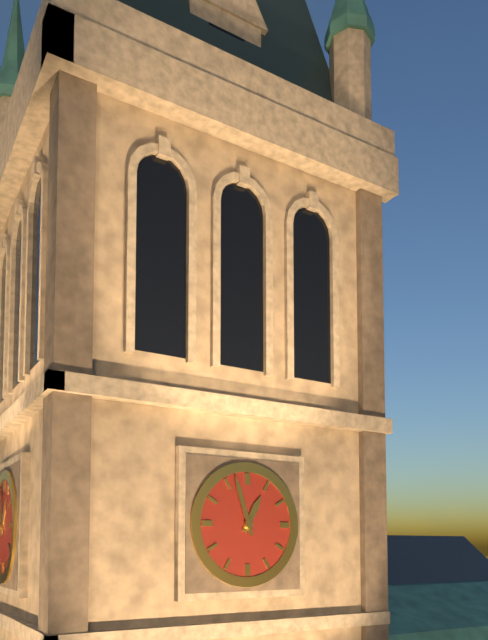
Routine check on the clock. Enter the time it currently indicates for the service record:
12:57
